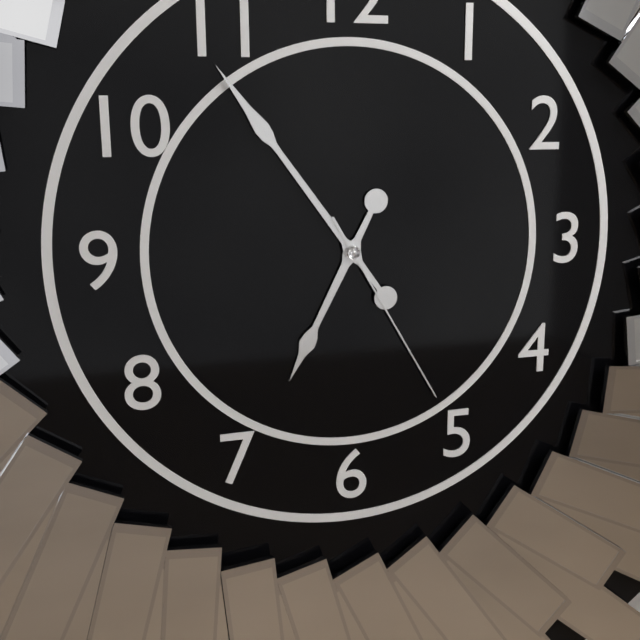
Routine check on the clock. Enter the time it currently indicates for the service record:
6:54:25
